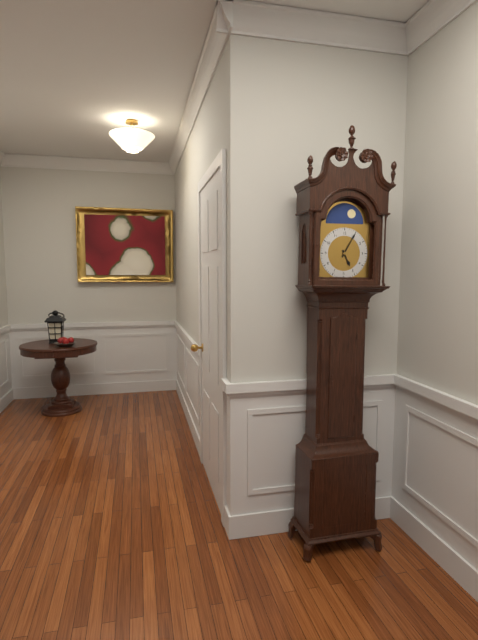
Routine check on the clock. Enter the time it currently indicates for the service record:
5:05
